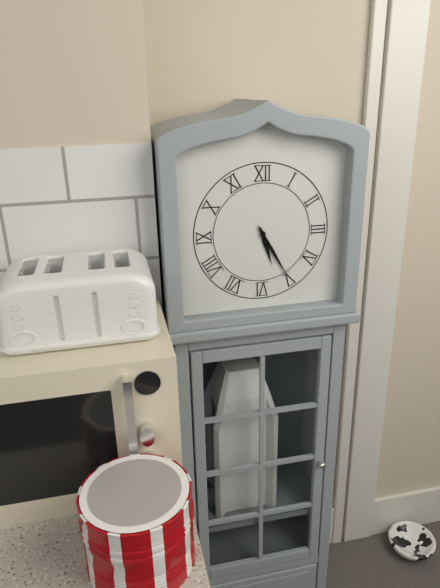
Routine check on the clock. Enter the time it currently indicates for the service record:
5:25
